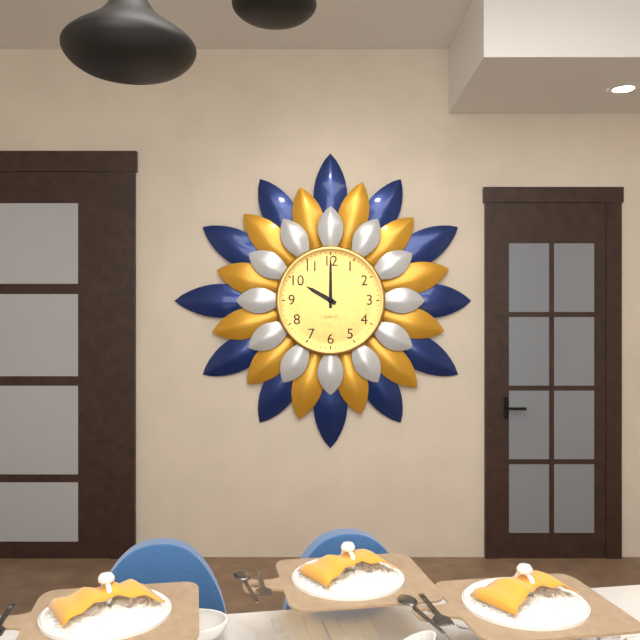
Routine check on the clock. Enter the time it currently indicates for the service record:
10:00
